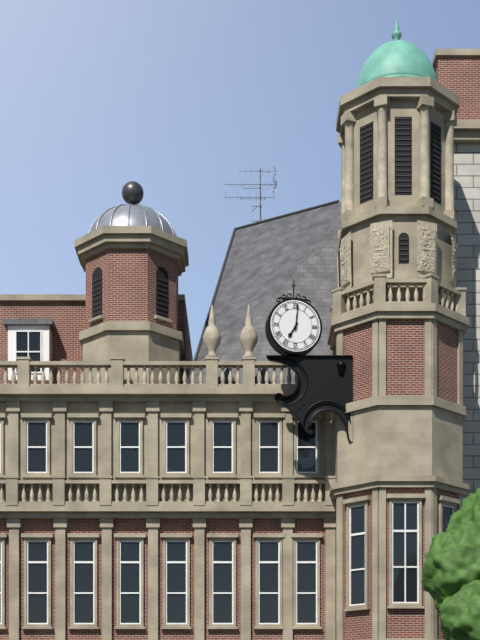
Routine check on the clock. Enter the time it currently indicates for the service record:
7:01
